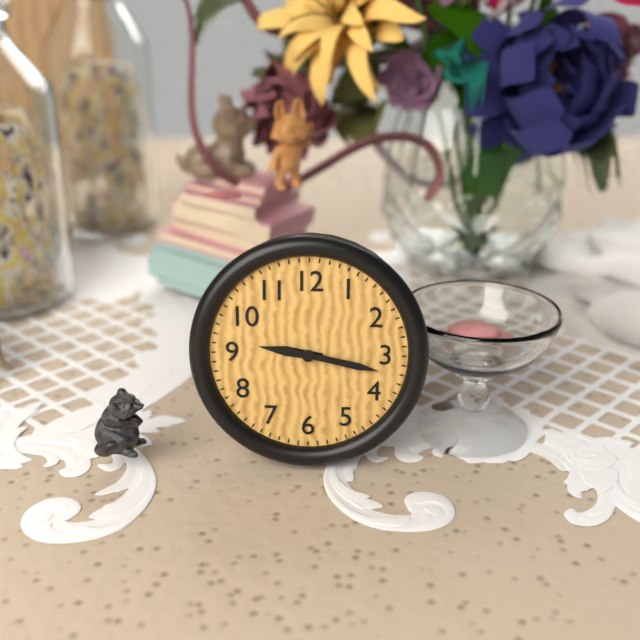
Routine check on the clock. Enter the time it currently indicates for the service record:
9:17
